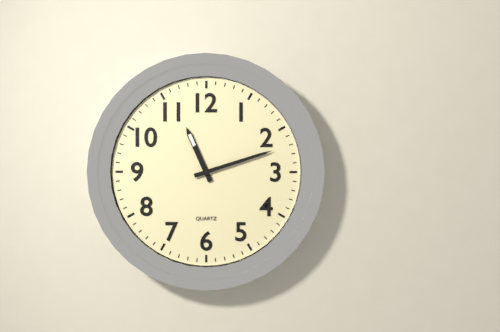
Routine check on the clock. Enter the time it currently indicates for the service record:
11:12
